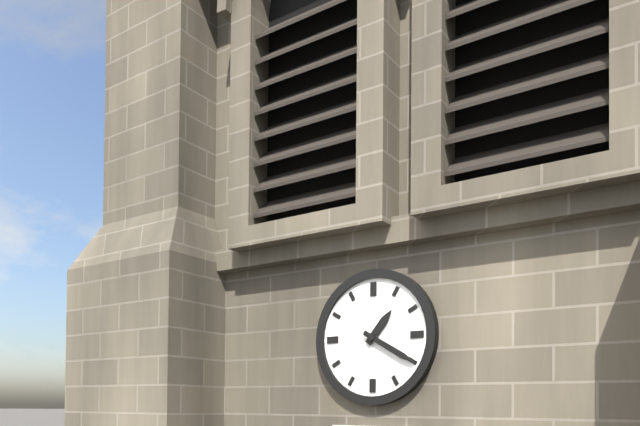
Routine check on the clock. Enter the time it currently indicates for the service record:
1:20
